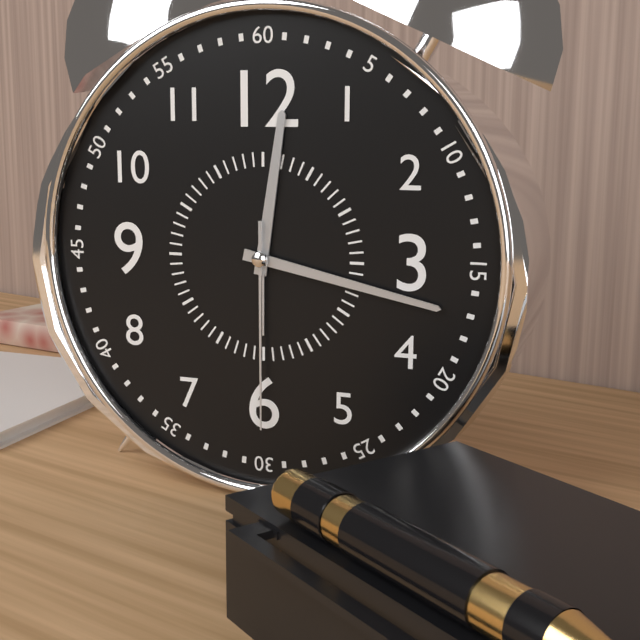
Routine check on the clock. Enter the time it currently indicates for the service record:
12:17:30
